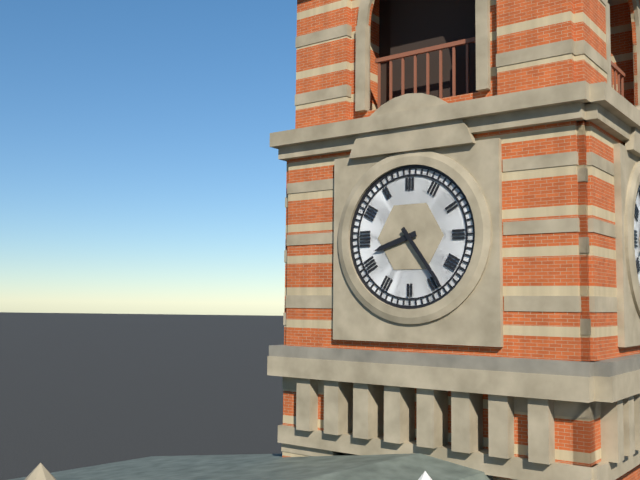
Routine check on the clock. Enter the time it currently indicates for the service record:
8:24
